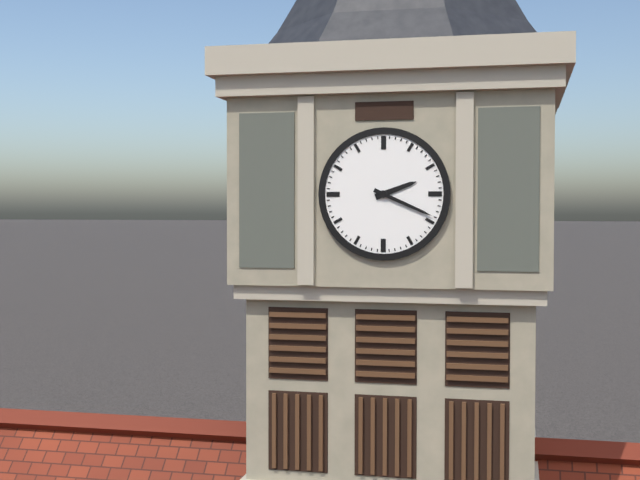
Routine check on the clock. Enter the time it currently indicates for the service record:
2:19
